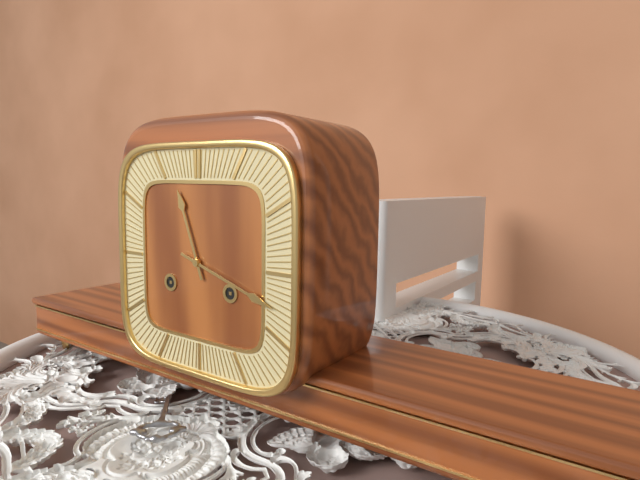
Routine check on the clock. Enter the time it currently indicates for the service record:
11:18
